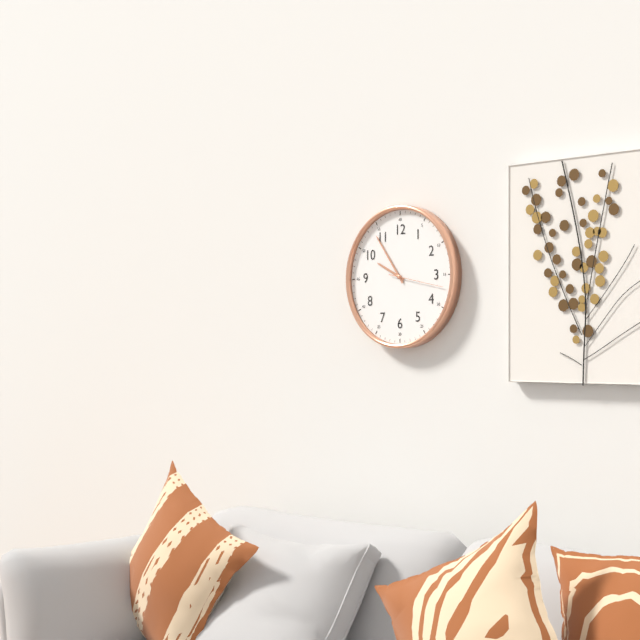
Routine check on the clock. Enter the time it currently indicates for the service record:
9:54:17
